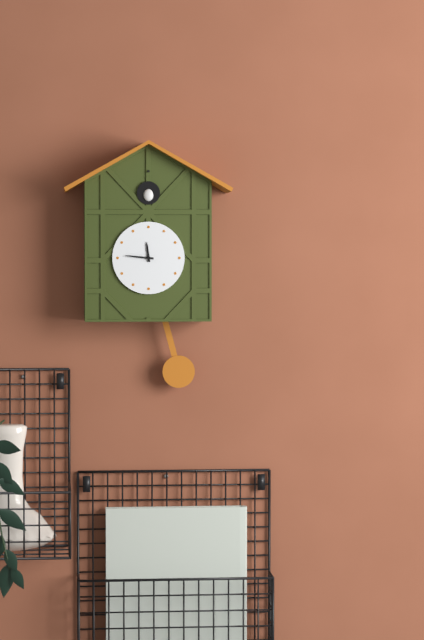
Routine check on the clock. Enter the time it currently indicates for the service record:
11:46
